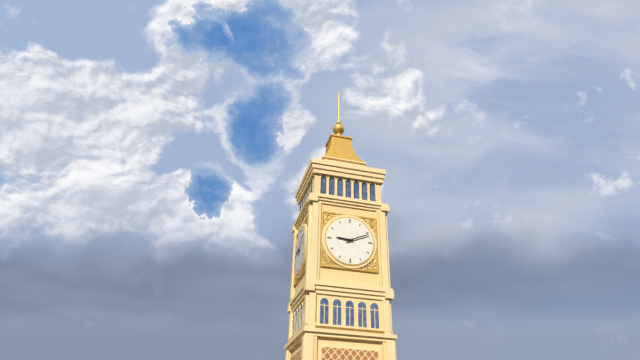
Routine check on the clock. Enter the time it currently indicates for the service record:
9:11
